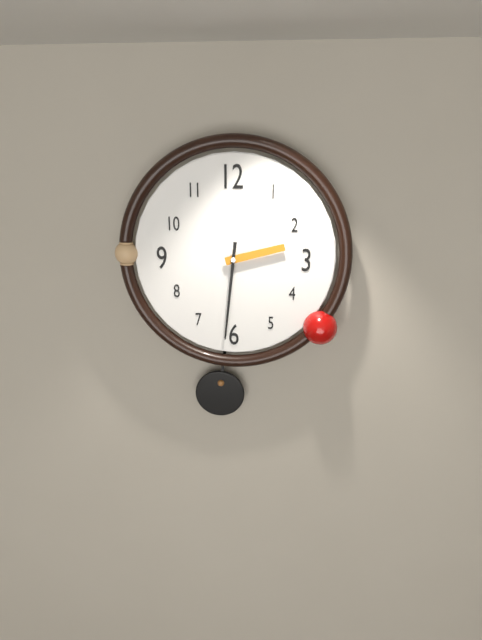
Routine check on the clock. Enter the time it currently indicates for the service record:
2:31
